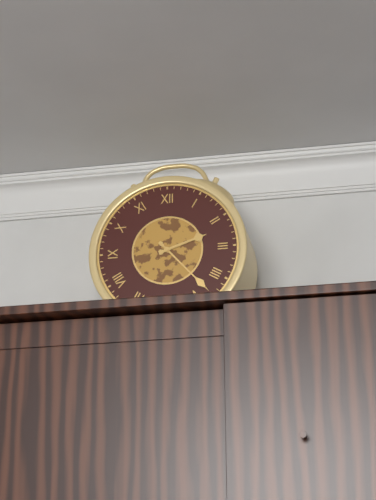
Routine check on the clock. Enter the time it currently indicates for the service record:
2:23
